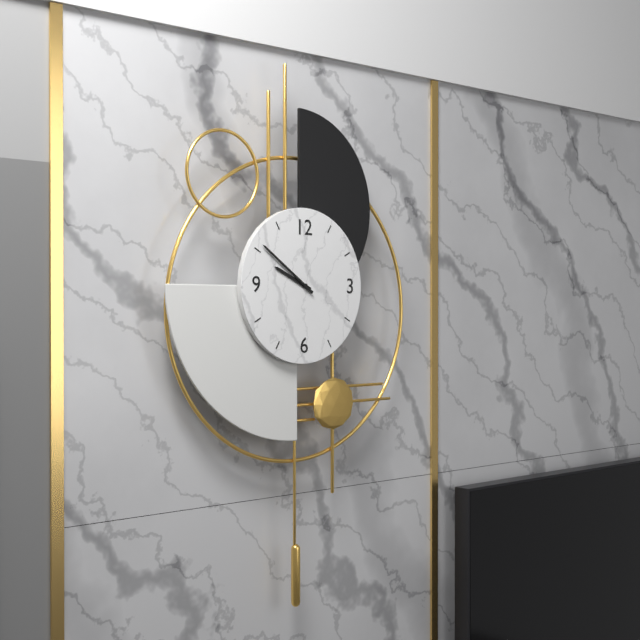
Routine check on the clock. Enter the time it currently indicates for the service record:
9:51
